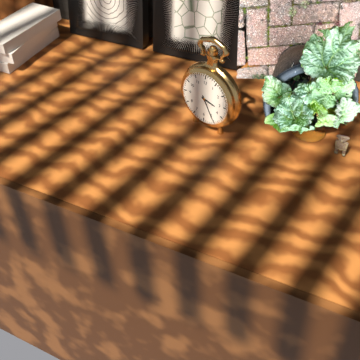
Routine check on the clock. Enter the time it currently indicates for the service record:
3:25
